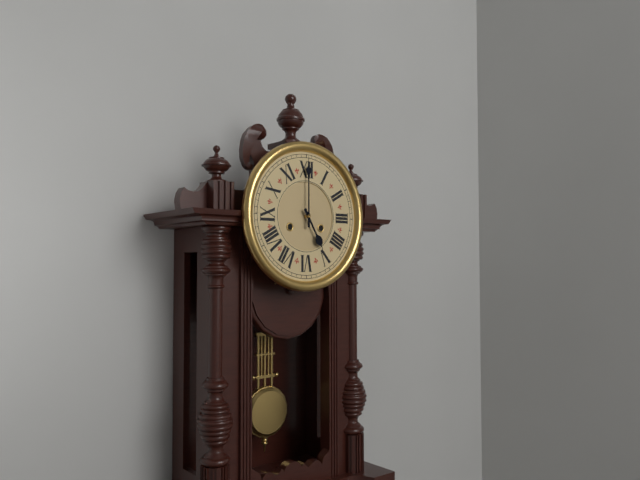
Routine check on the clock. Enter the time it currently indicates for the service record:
5:00
